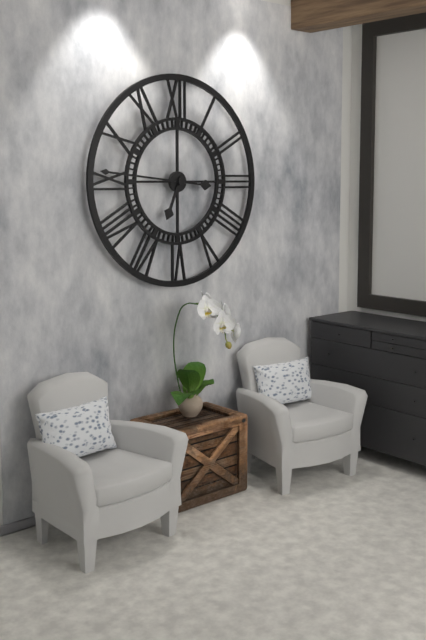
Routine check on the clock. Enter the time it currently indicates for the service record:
6:46
